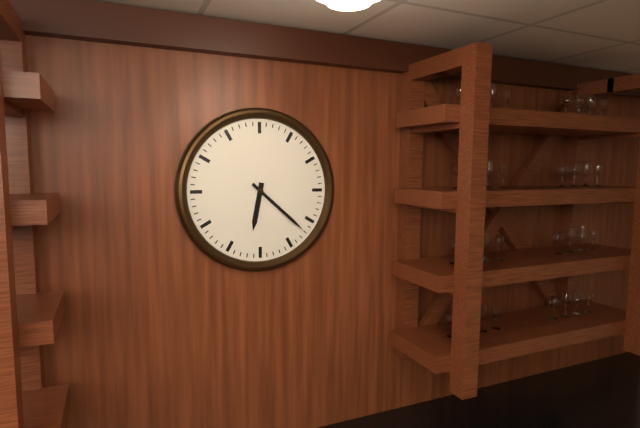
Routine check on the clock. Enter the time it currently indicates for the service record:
6:22
